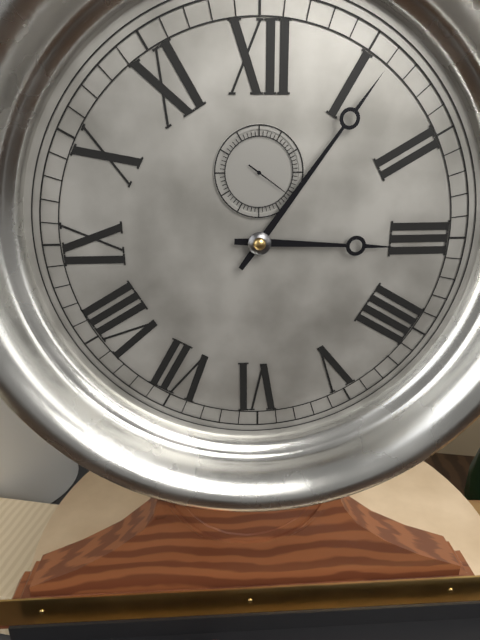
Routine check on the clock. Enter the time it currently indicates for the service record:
3:06:21
